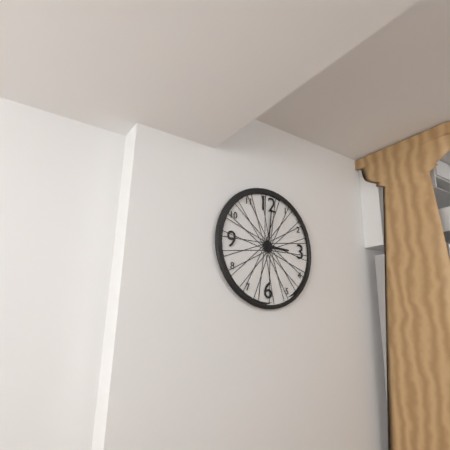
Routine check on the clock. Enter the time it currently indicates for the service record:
3:01
